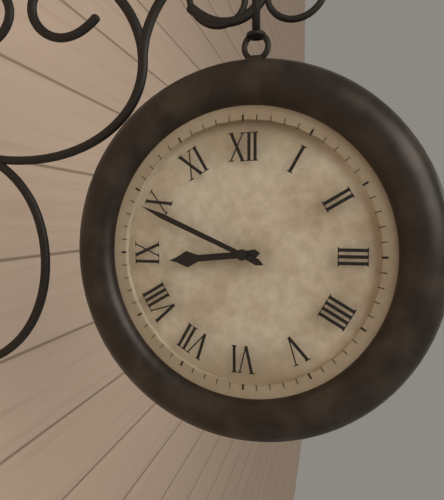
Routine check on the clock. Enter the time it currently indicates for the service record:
8:49
